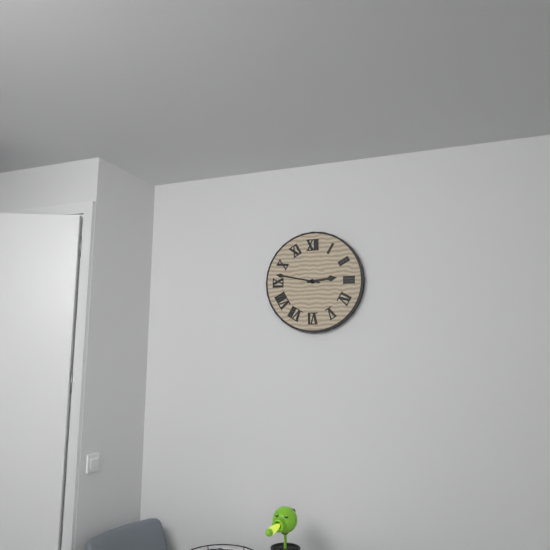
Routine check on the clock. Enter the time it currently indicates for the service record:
2:47
